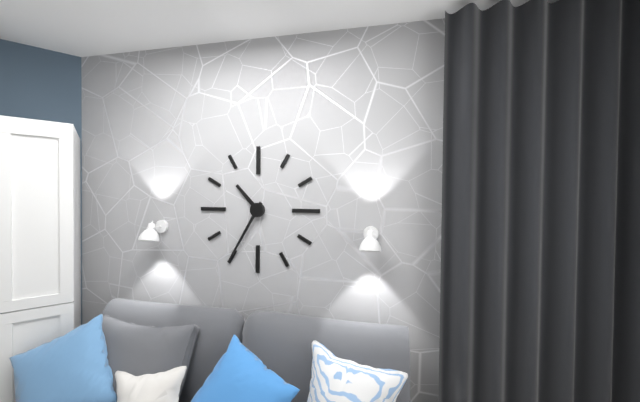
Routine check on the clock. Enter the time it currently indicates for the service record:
10:35
